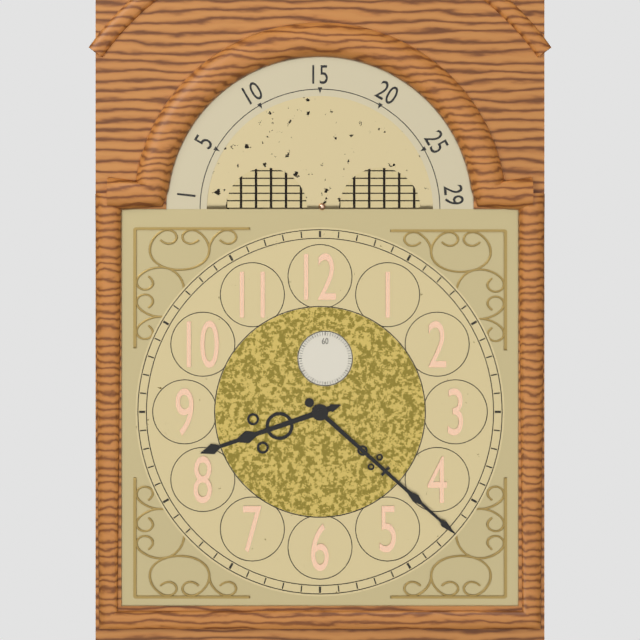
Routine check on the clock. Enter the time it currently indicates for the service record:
8:22
